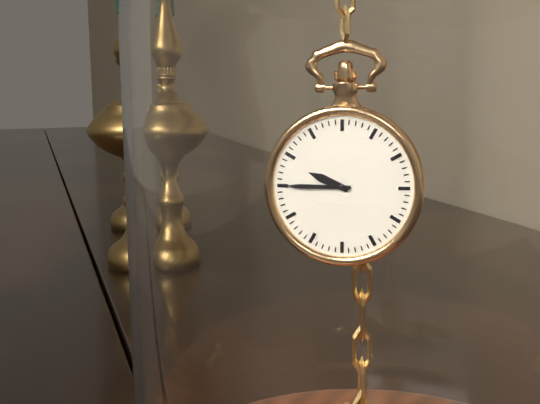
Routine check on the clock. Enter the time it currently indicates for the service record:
9:45
